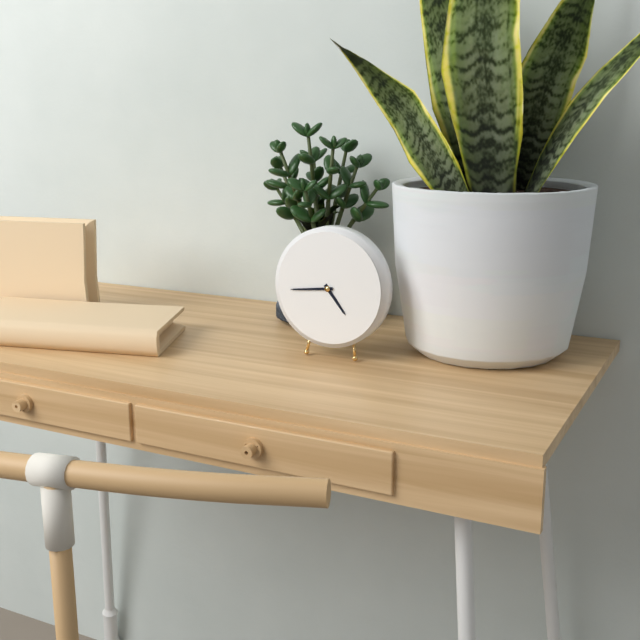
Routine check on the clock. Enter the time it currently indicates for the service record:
4:44
